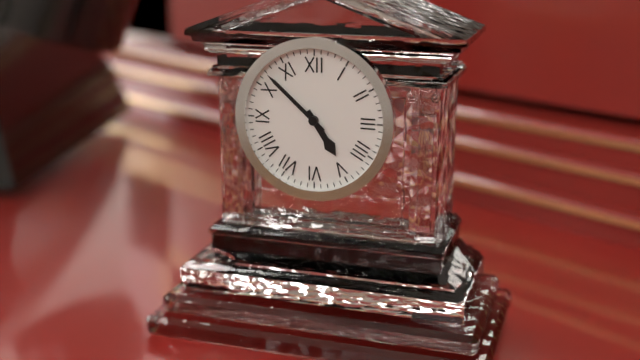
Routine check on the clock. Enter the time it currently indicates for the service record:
4:52
